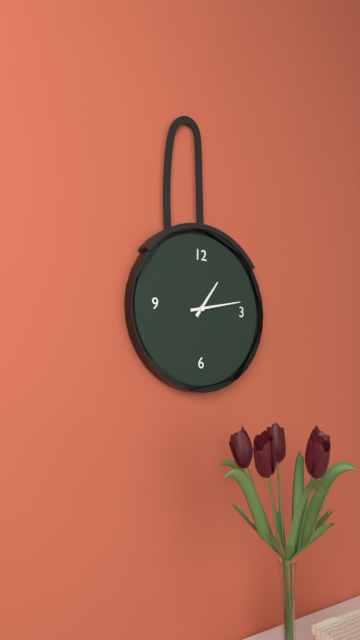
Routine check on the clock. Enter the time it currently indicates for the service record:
1:13
